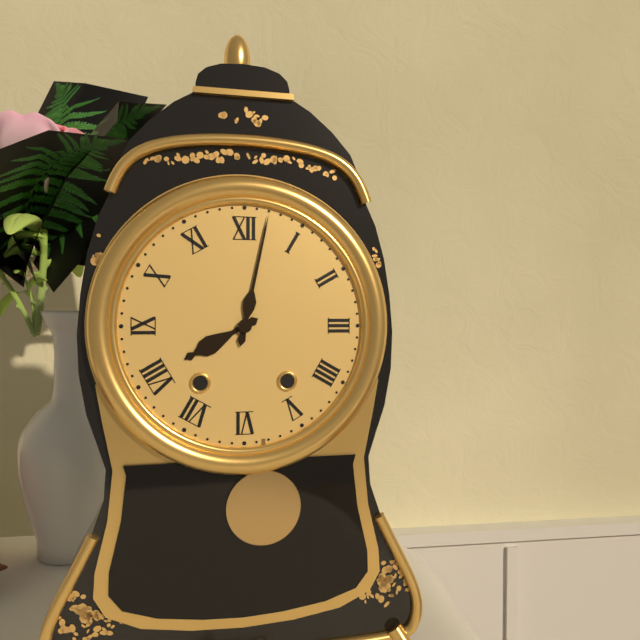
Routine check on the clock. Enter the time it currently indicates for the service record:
8:02
